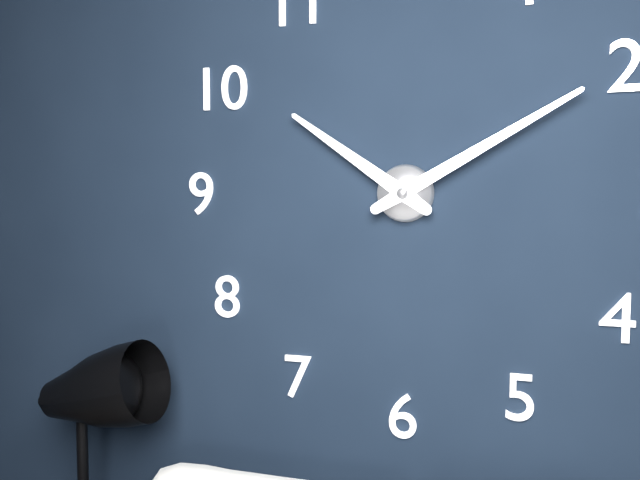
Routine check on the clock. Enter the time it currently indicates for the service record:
10:10
